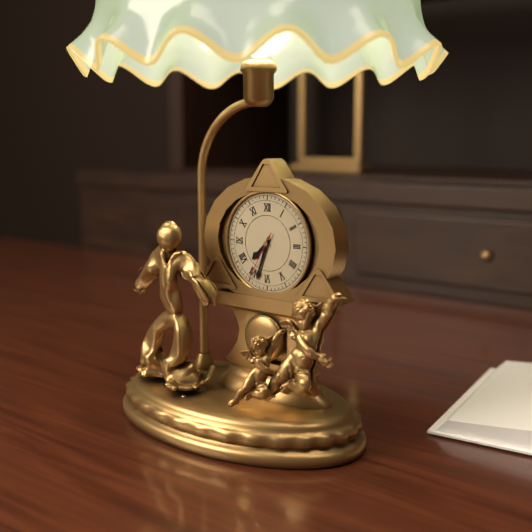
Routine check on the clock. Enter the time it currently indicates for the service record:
7:33
